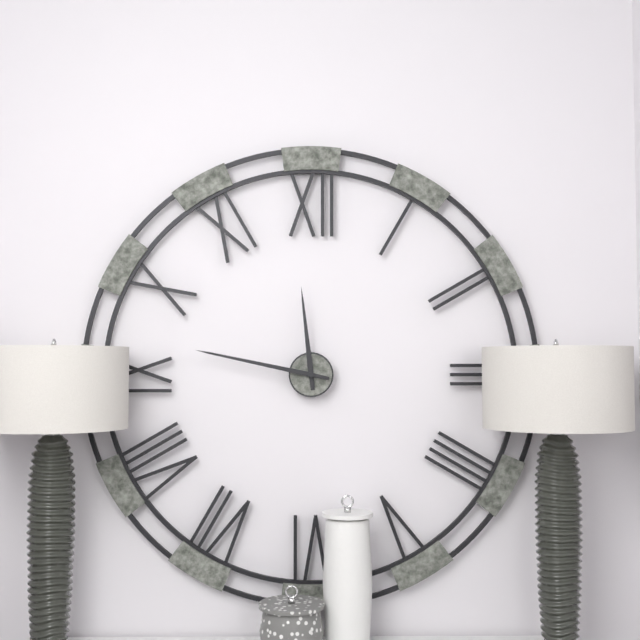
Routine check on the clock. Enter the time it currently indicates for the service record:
11:47
